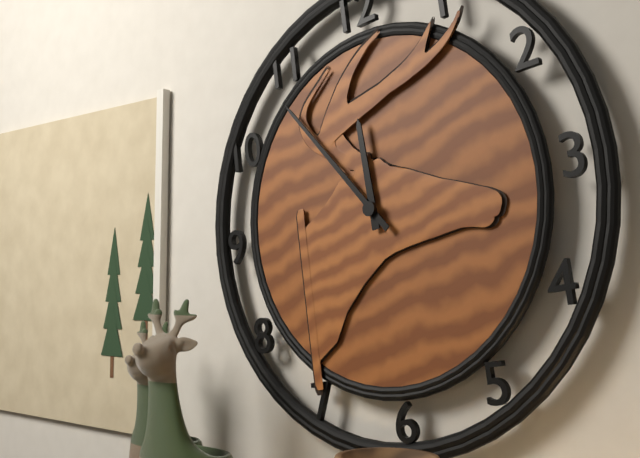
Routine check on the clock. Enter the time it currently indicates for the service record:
11:54
